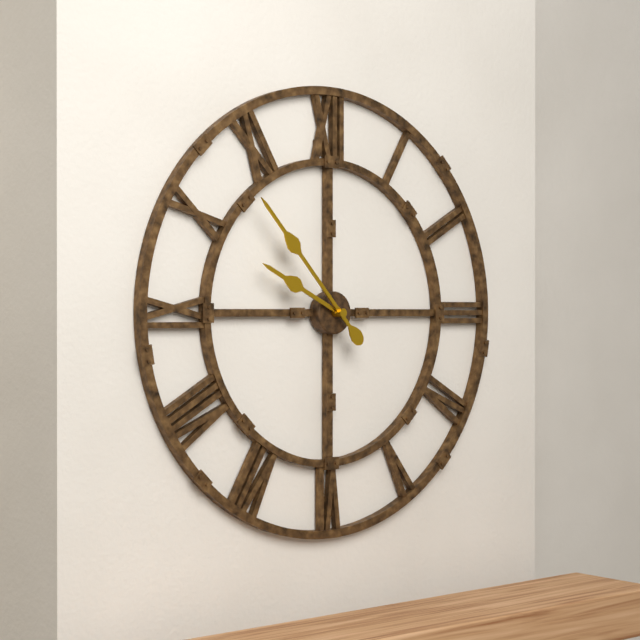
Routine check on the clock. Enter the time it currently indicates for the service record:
9:53
